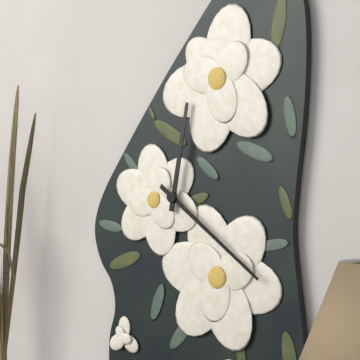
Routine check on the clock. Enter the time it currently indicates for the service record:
12:21
